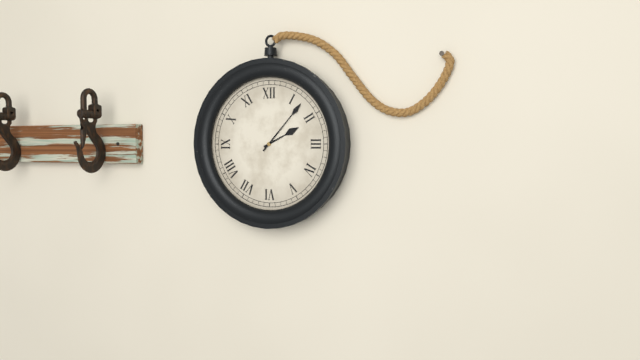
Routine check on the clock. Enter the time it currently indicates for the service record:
2:07
